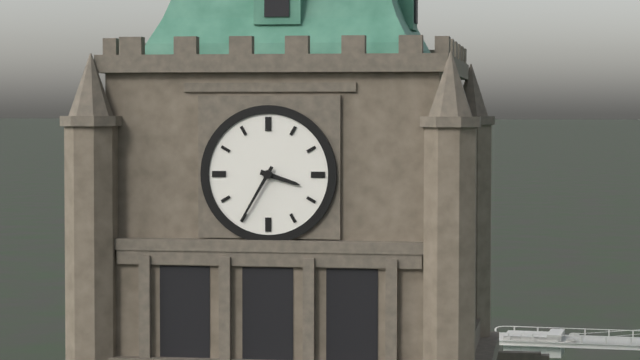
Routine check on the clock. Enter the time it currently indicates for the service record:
3:35
